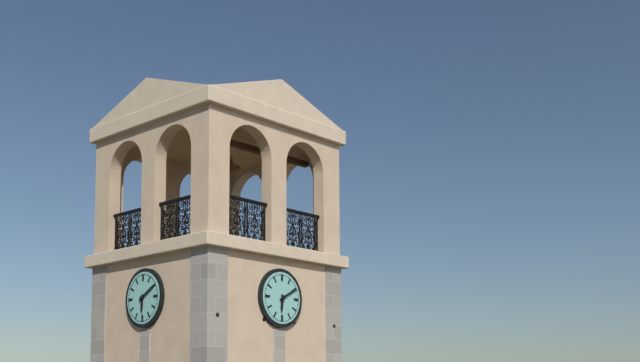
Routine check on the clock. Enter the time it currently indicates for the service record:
6:10
